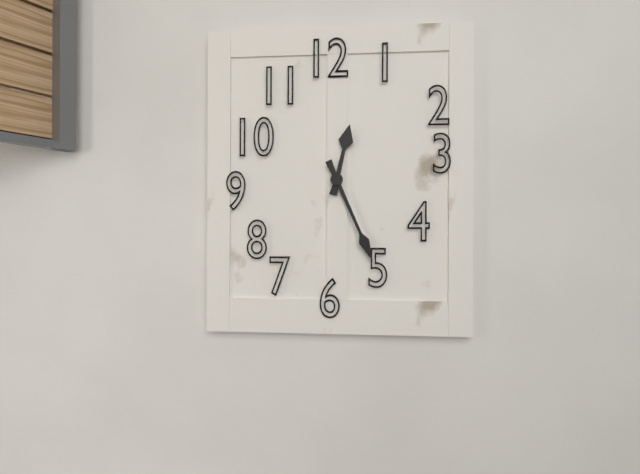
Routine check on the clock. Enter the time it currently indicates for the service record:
12:26
